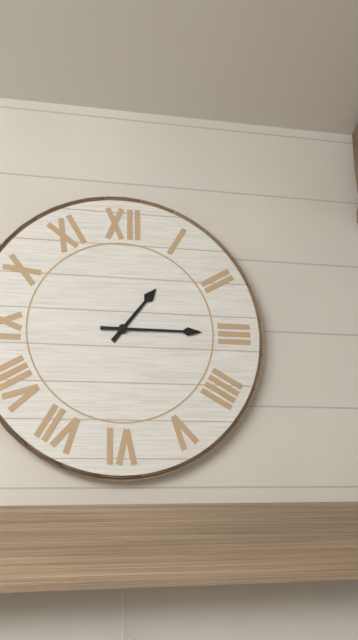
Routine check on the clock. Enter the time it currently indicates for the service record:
1:15
